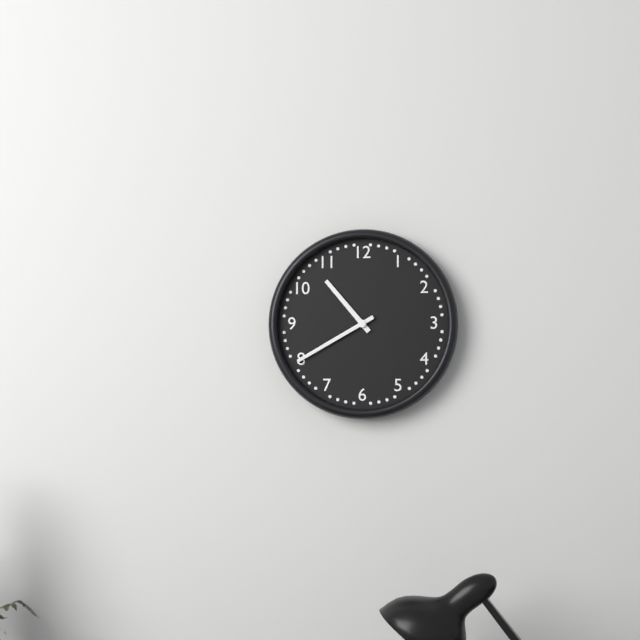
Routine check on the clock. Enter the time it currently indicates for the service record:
10:40
